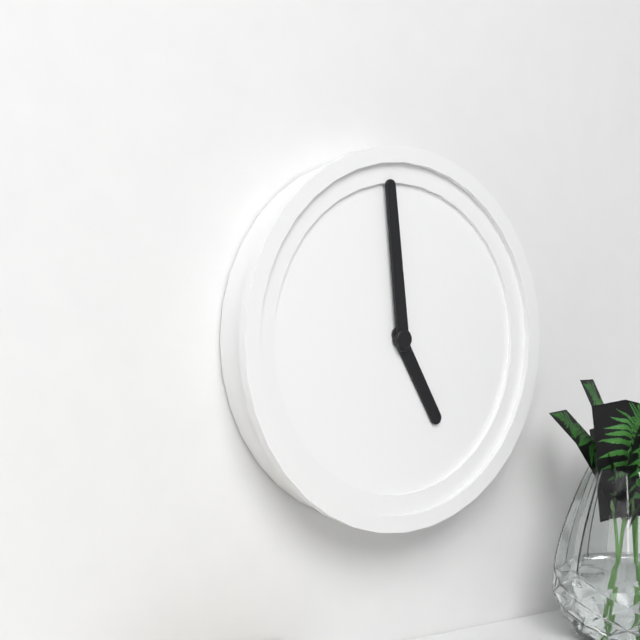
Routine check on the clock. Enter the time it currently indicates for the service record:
4:59
